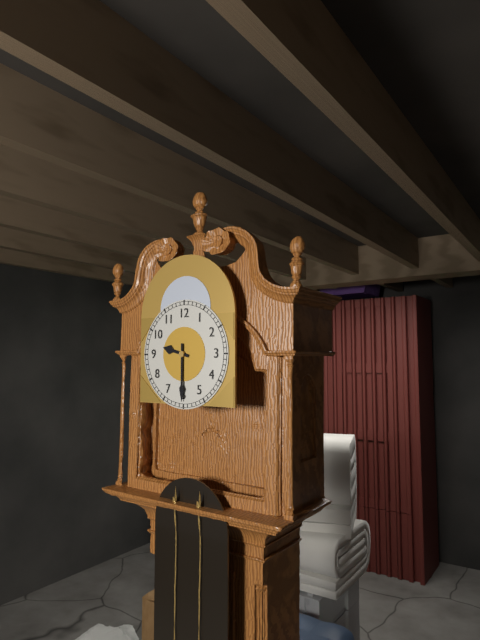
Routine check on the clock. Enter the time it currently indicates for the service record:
9:30
